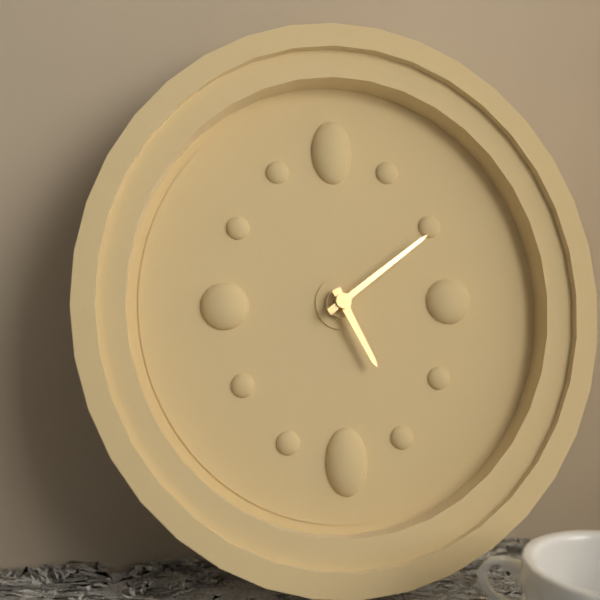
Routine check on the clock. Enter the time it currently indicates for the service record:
5:09
